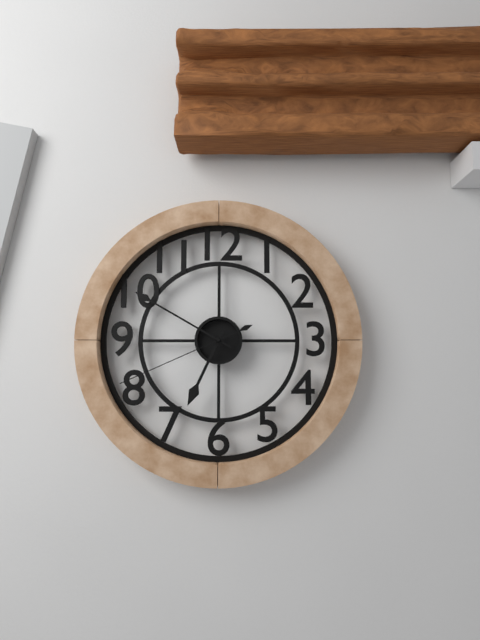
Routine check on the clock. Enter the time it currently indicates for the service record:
6:50:41
